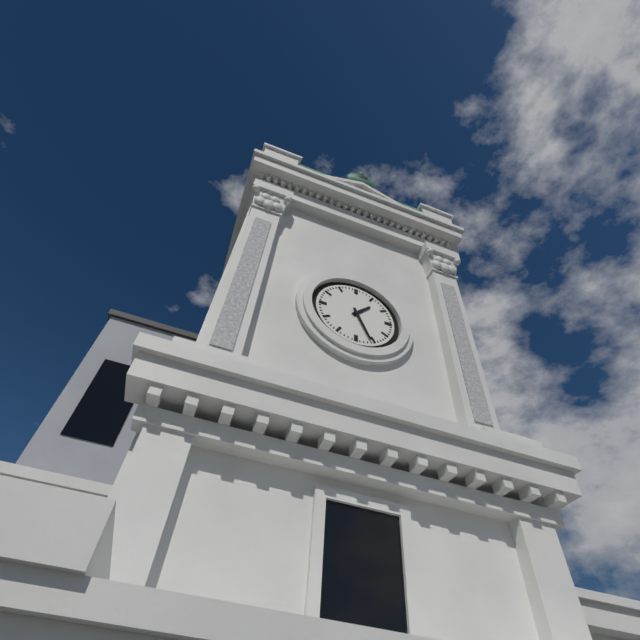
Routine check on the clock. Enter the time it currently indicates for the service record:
1:26
